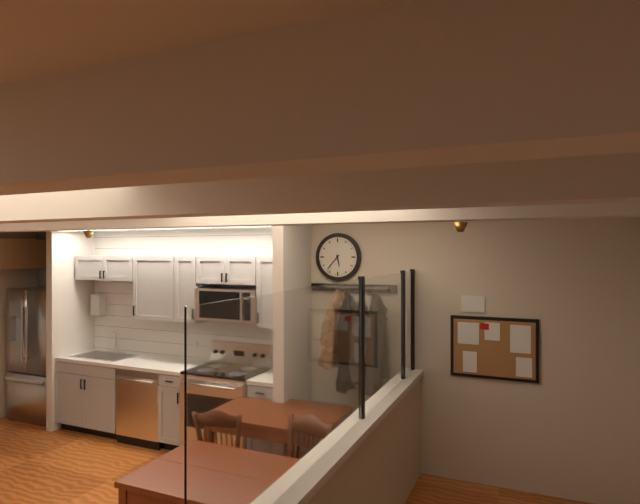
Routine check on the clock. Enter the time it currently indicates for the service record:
5:37
